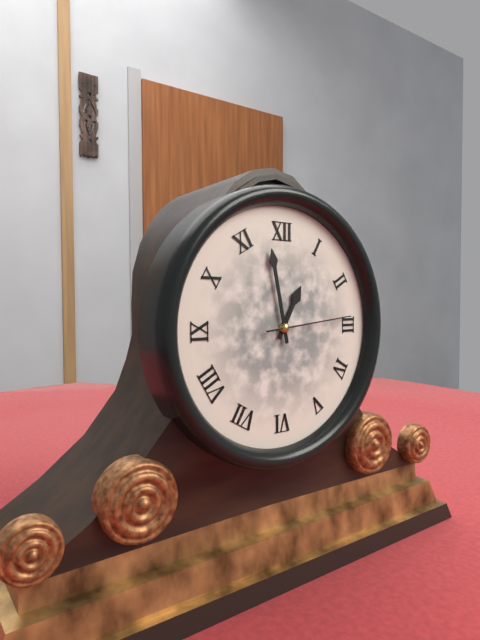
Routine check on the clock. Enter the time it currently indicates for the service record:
12:58:14
